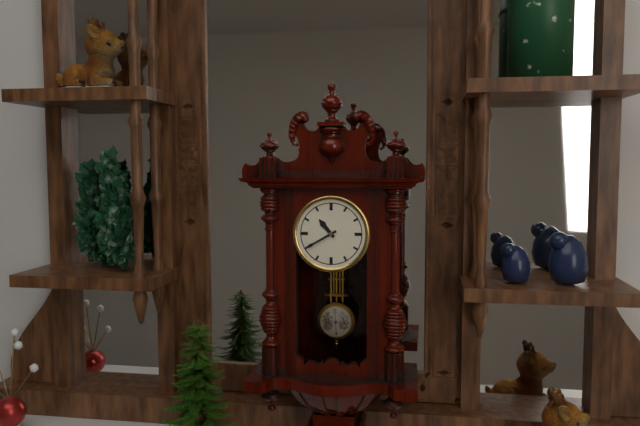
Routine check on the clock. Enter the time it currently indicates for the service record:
10:40
